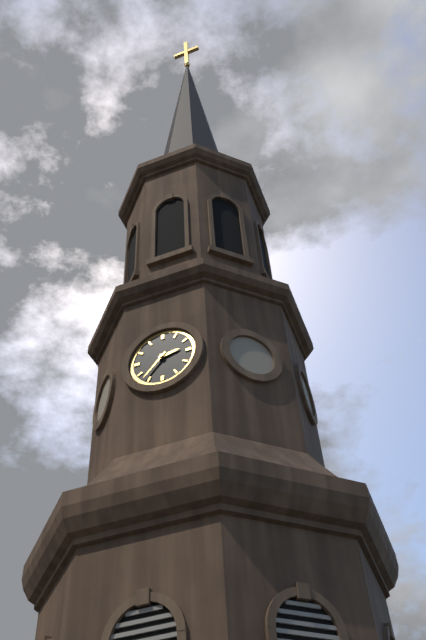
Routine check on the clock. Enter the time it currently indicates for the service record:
2:37
